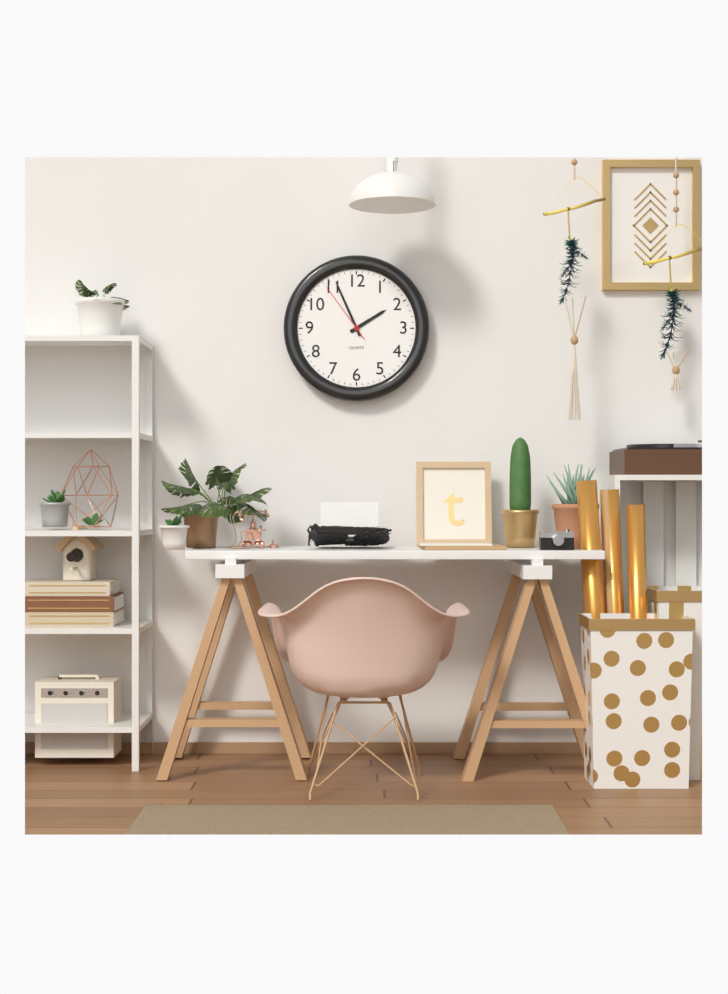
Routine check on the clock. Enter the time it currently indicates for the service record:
1:56:54
